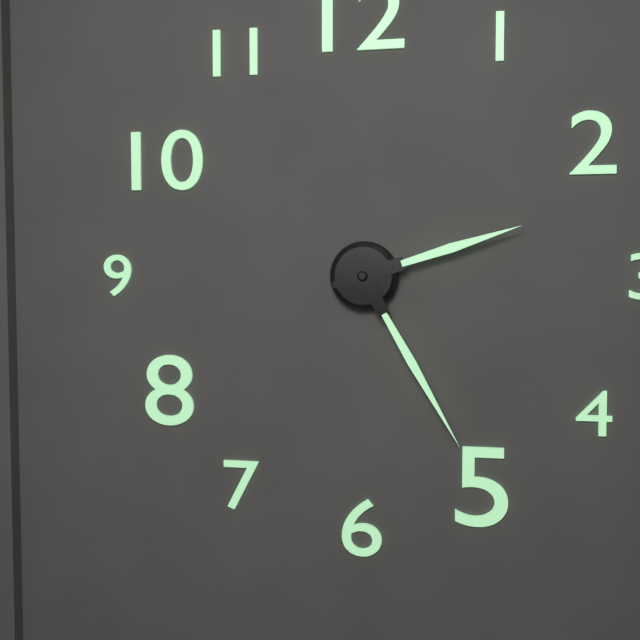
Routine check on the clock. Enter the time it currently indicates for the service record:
2:25
